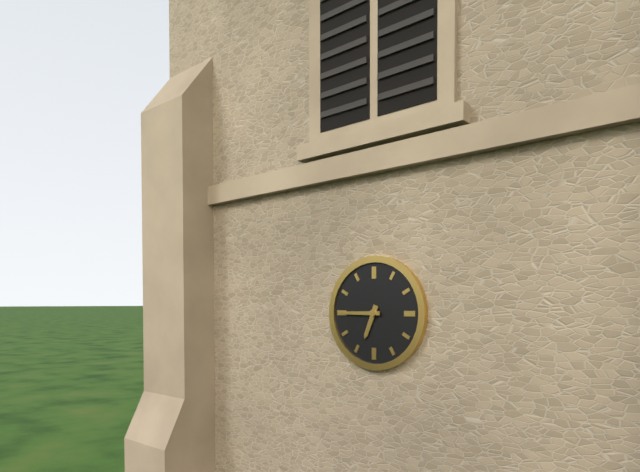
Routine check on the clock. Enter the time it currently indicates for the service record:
6:45
